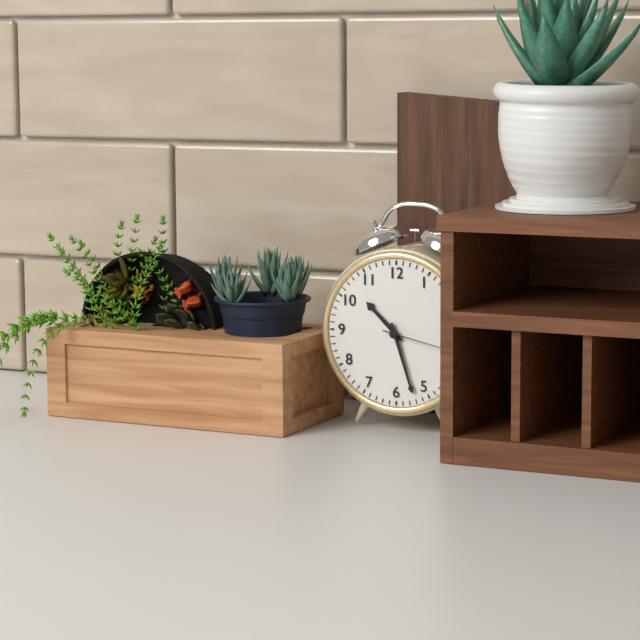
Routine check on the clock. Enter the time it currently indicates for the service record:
10:27:17
